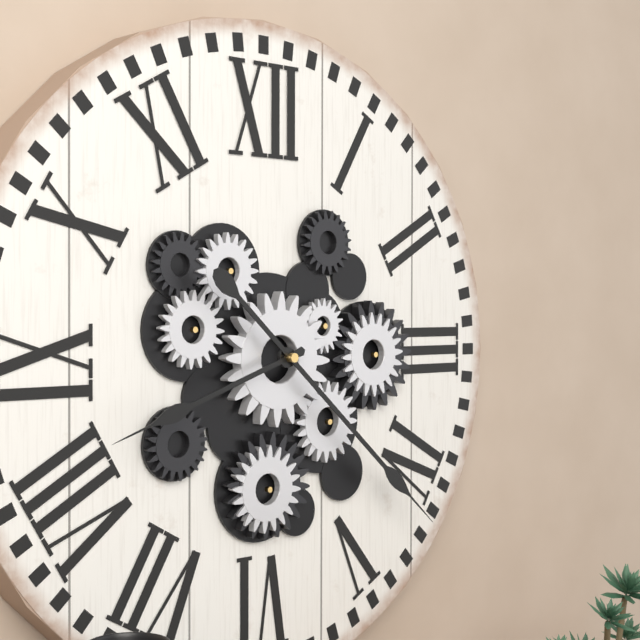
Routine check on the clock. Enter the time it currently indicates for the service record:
8:22
